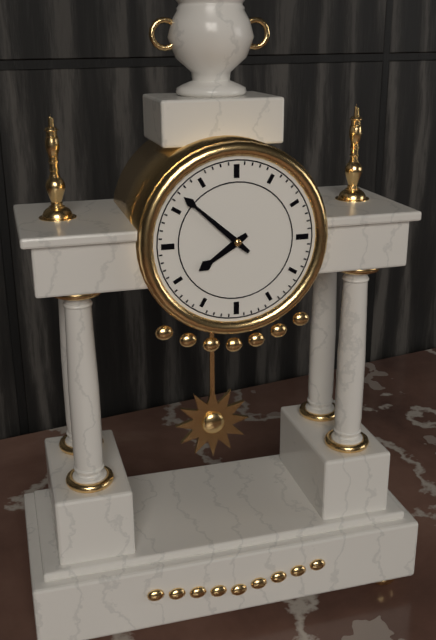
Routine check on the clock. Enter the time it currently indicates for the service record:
7:52
